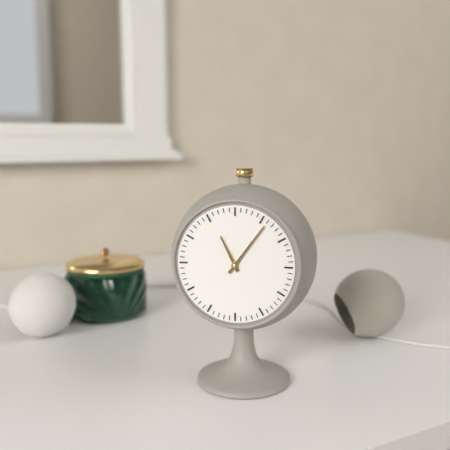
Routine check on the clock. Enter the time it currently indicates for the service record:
11:06
